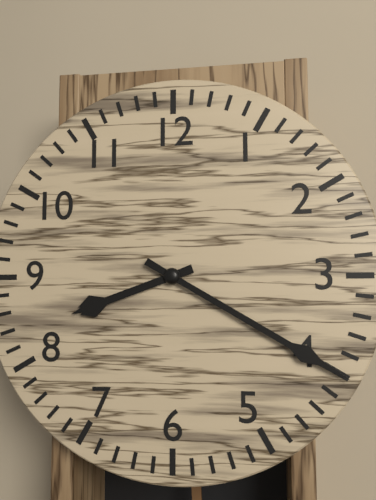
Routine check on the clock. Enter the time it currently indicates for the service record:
8:20
